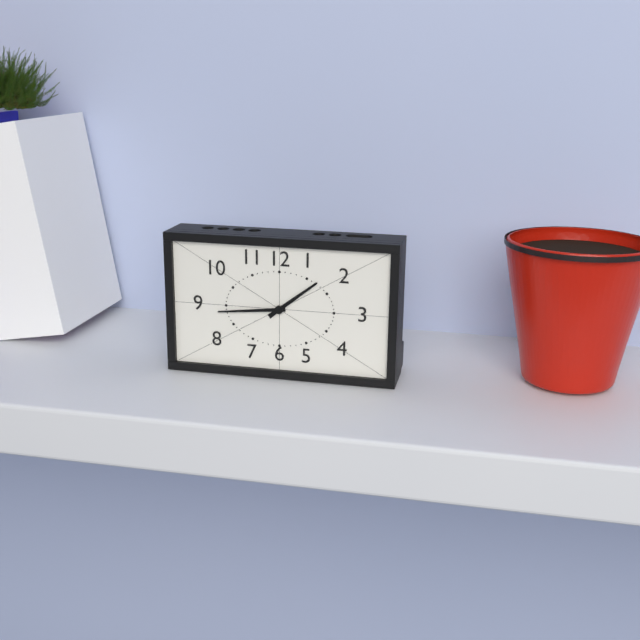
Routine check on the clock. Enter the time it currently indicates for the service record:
1:44
